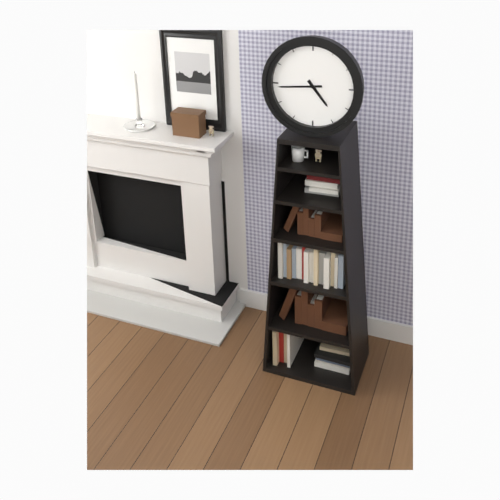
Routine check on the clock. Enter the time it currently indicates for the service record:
4:44
